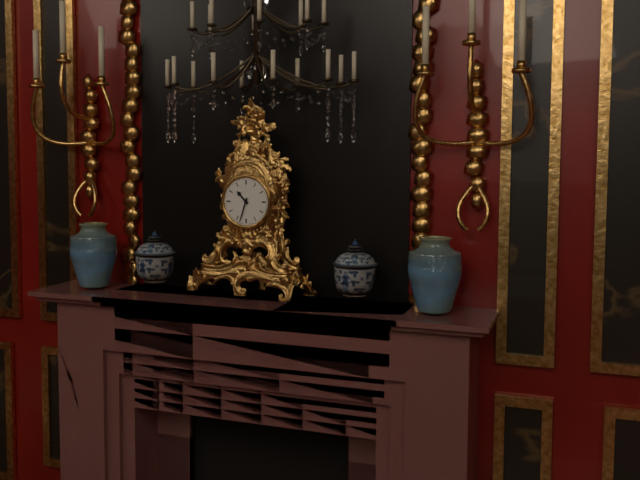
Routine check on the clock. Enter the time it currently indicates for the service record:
10:33
